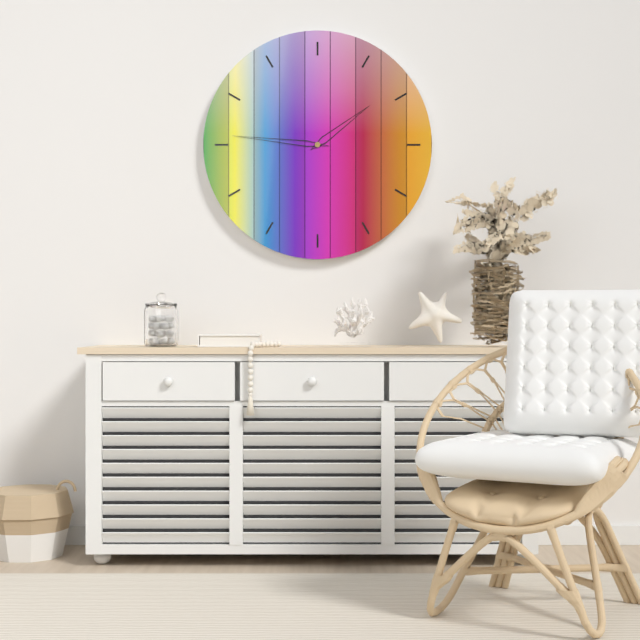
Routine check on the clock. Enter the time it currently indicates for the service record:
1:46
